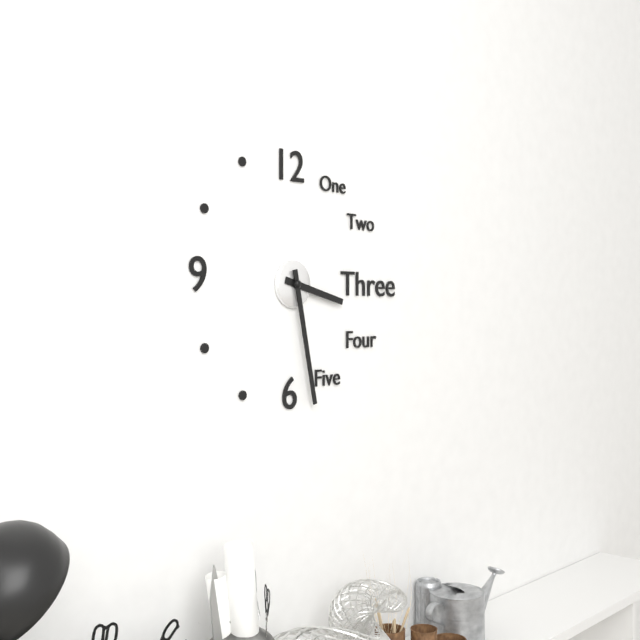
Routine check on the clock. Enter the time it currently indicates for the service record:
3:28
